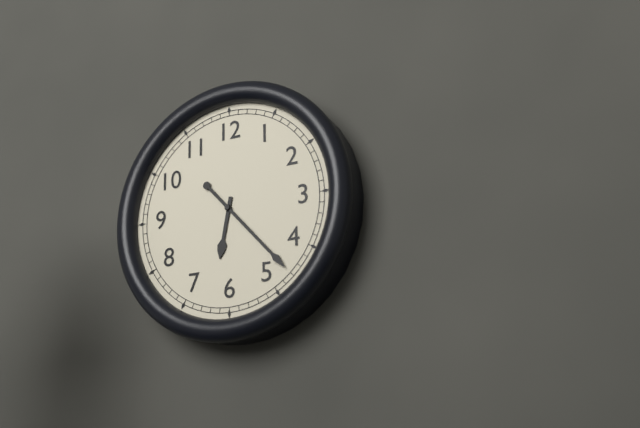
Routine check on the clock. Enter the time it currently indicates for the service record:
6:23
